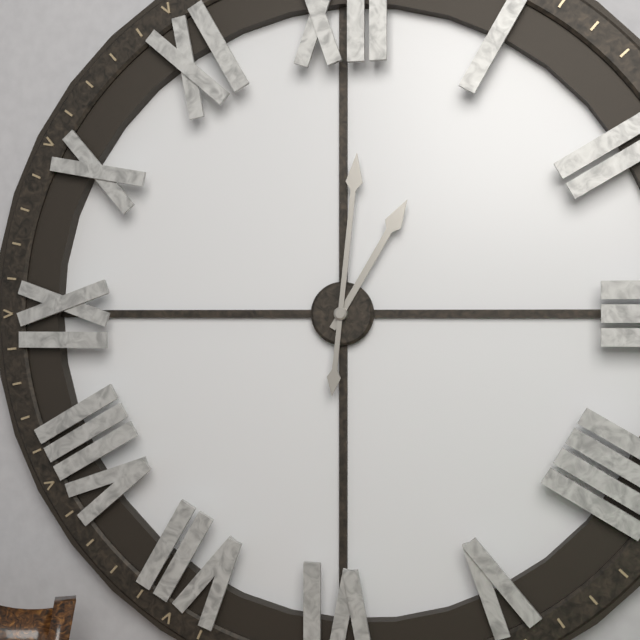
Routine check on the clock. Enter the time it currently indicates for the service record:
1:01
